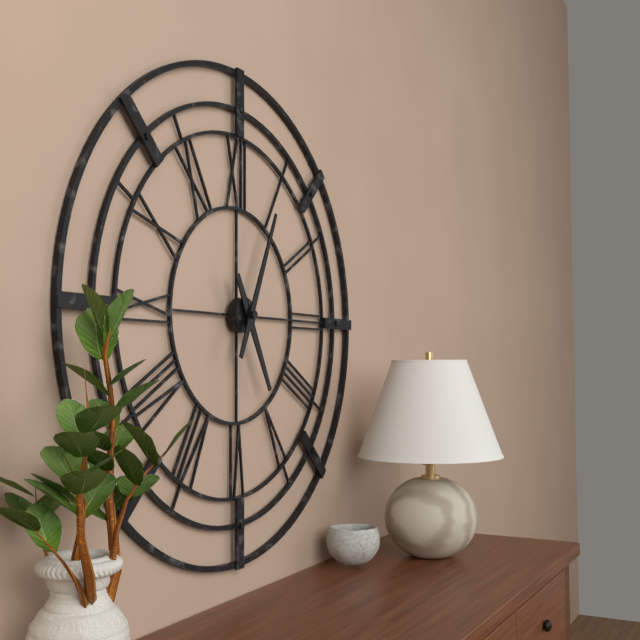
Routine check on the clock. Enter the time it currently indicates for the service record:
5:04
